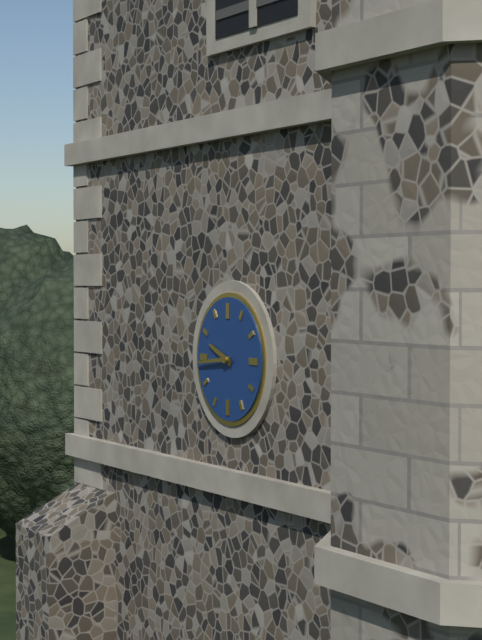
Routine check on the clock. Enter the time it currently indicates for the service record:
9:44
